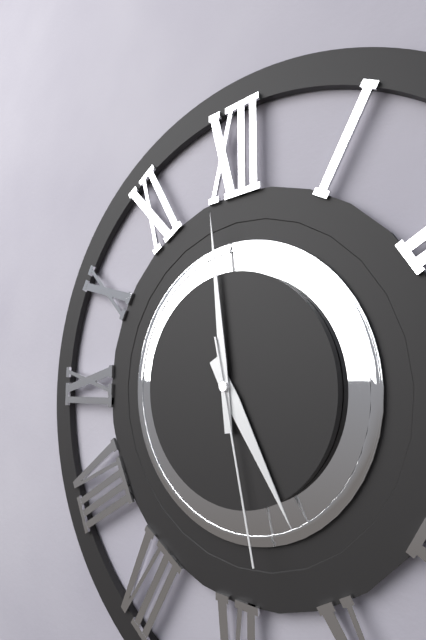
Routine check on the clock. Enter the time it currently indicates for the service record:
4:59:28
